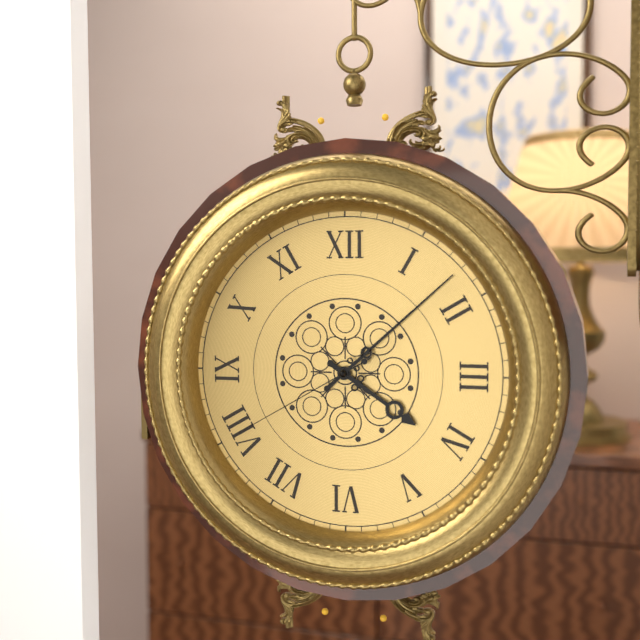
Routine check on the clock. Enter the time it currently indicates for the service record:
4:08:40
